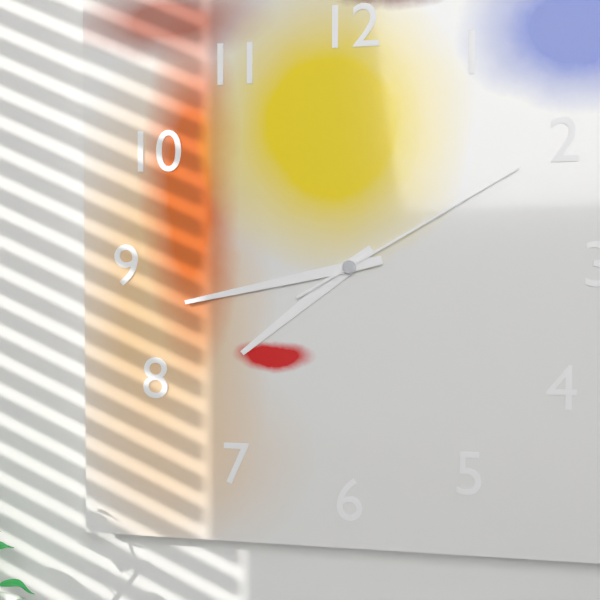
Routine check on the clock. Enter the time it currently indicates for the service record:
7:43:10
